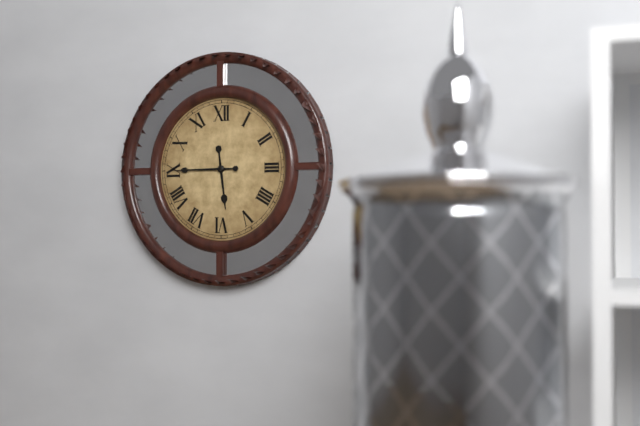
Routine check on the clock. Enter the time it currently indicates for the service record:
5:45
